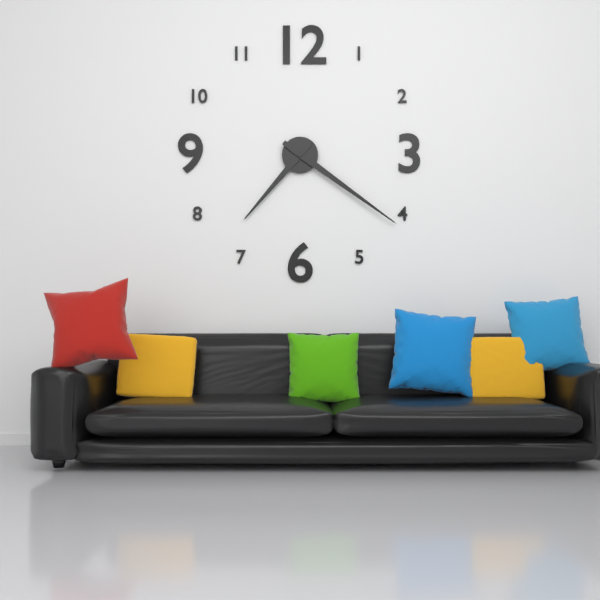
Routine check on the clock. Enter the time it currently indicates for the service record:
7:21
